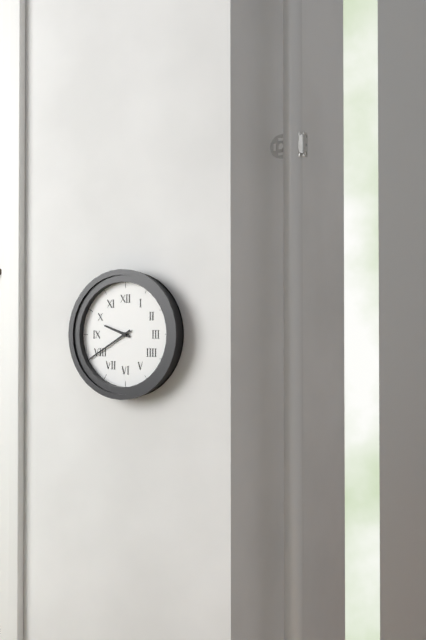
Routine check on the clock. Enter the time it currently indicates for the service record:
9:40
